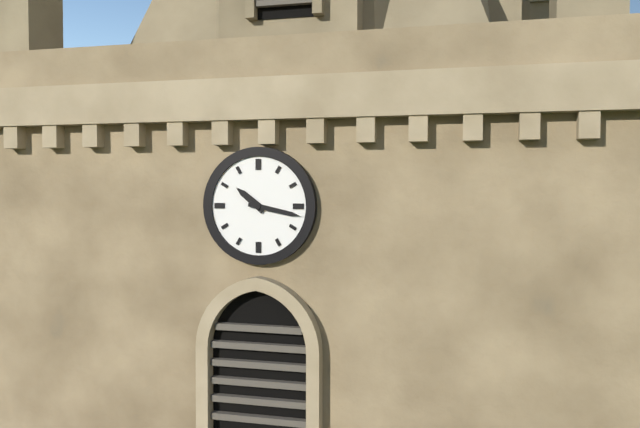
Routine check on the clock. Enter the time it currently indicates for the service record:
10:17
